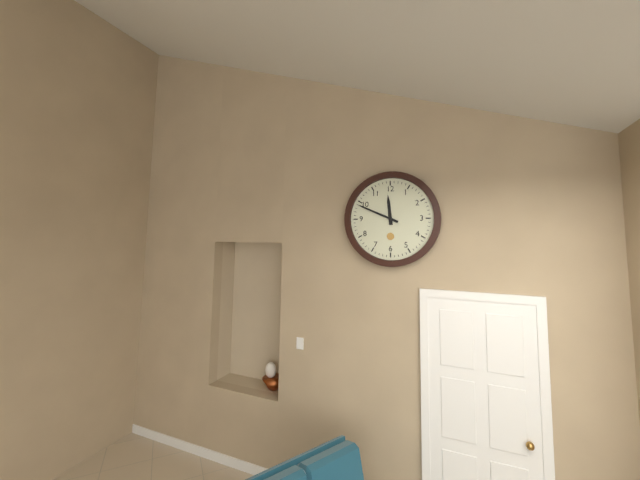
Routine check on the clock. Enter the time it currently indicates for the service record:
11:49
